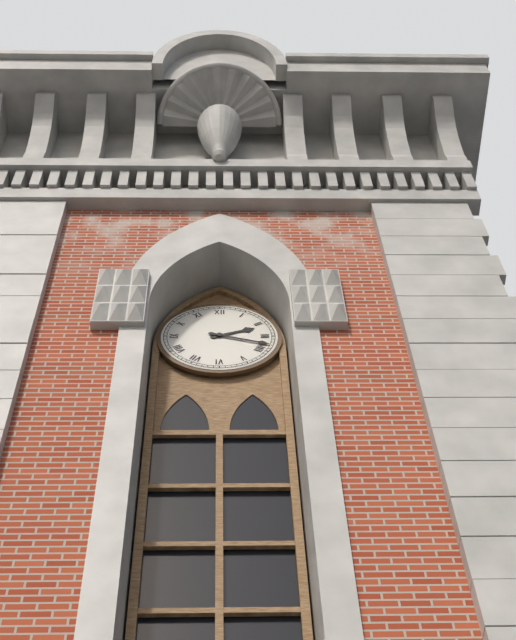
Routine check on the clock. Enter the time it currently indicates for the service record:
2:18
